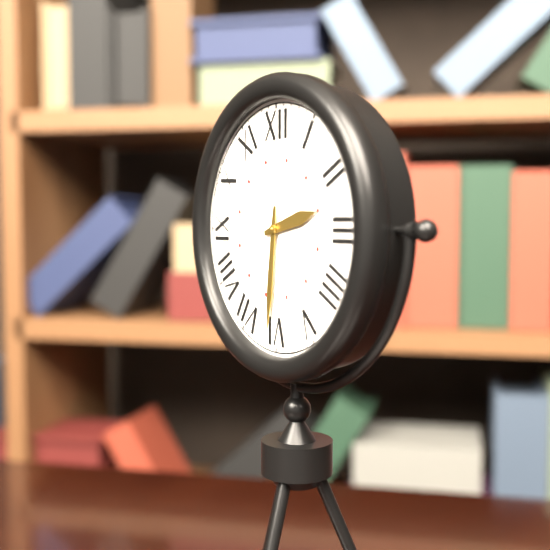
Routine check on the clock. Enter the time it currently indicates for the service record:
2:31
